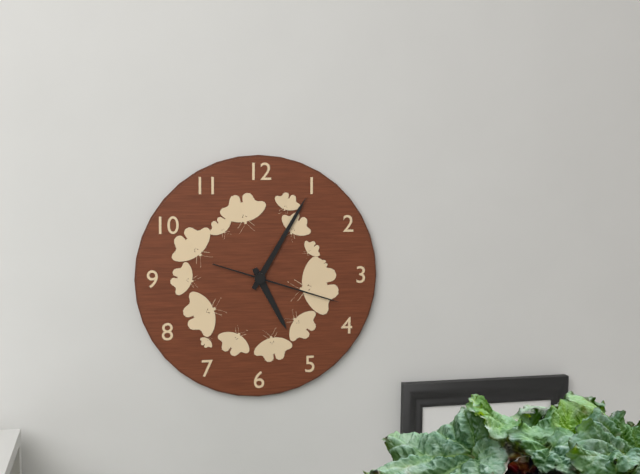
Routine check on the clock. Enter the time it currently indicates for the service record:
5:05:18
